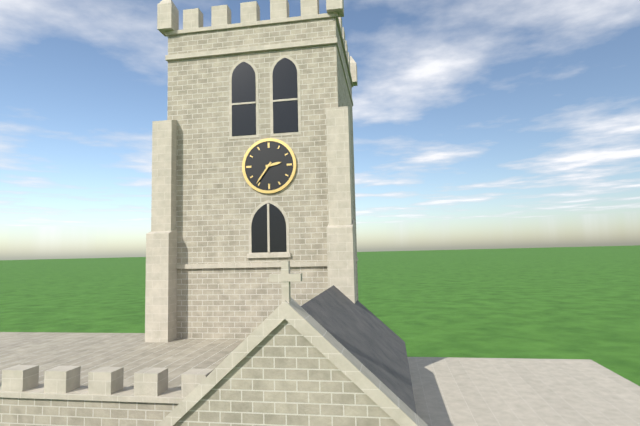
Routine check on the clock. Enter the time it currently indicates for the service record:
2:36
